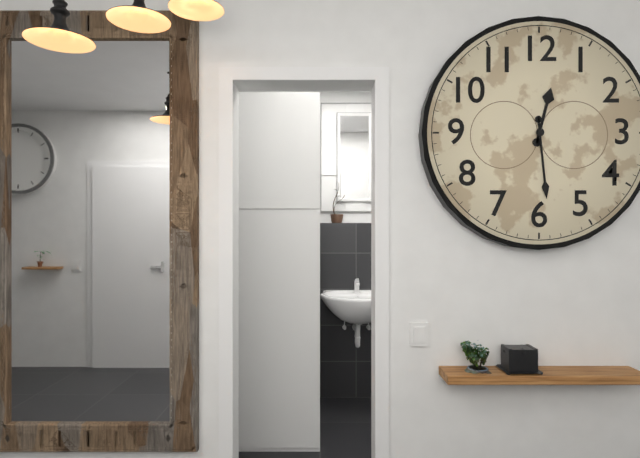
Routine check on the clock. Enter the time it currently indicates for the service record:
12:29
